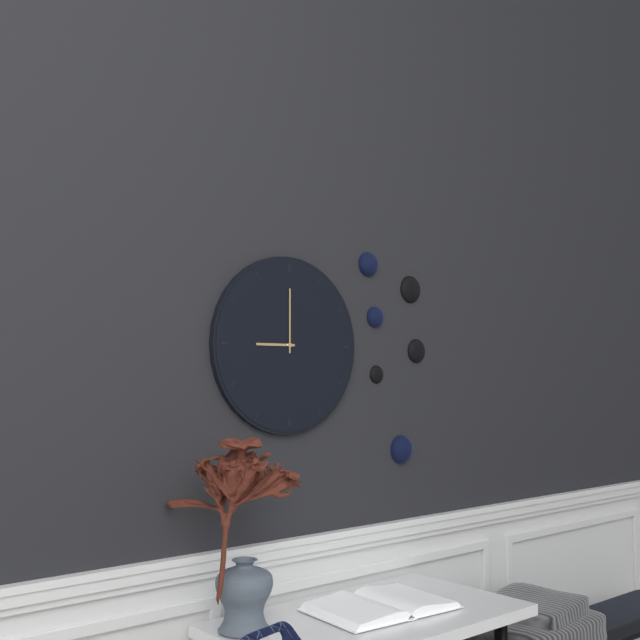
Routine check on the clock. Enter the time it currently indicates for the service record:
9:00
